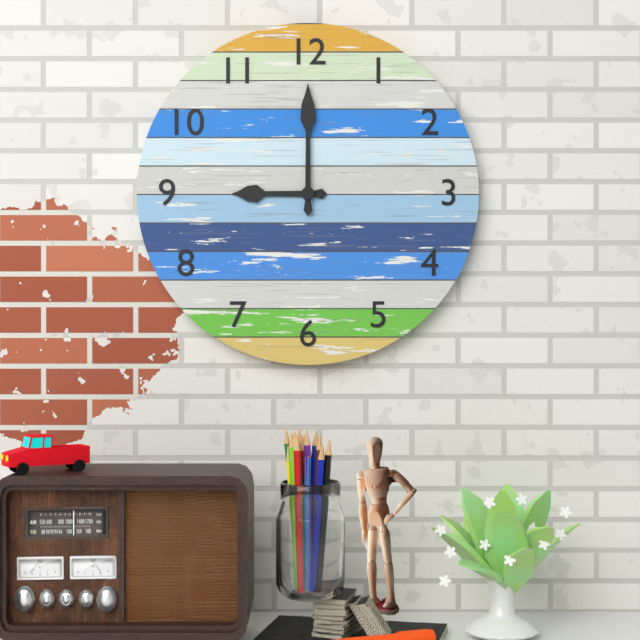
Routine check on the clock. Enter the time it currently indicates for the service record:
9:00
